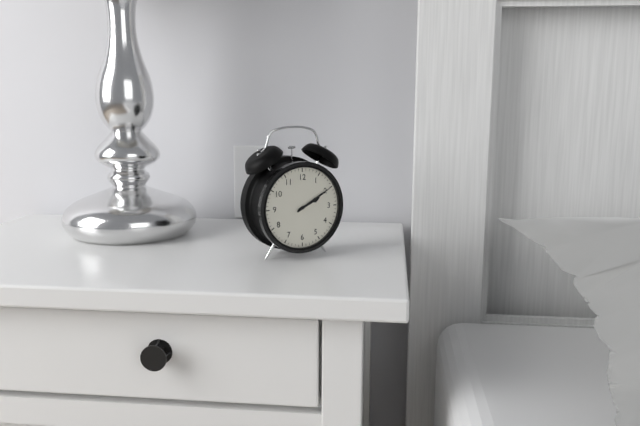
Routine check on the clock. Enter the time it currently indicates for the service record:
2:10
